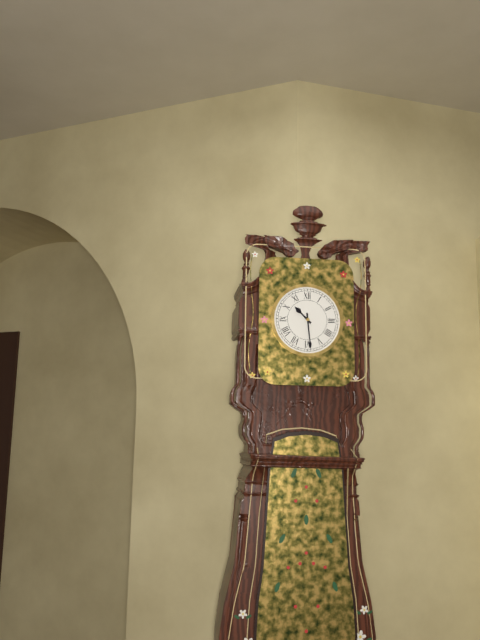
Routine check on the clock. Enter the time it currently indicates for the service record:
10:29
